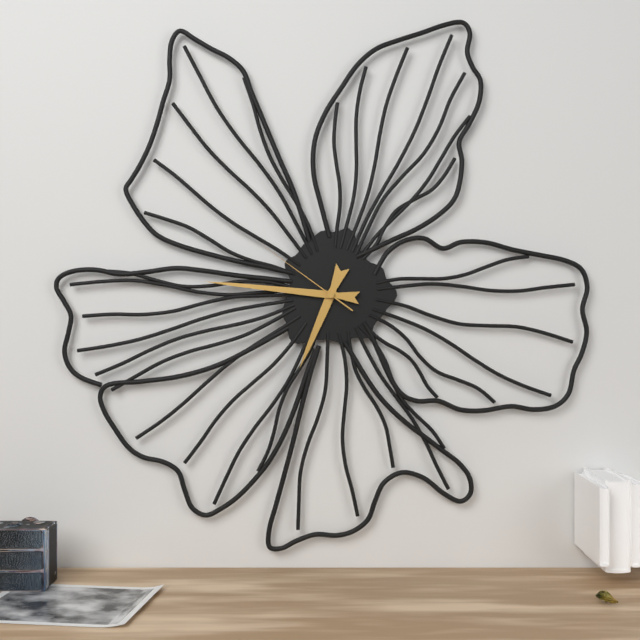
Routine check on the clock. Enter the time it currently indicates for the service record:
6:46:51
